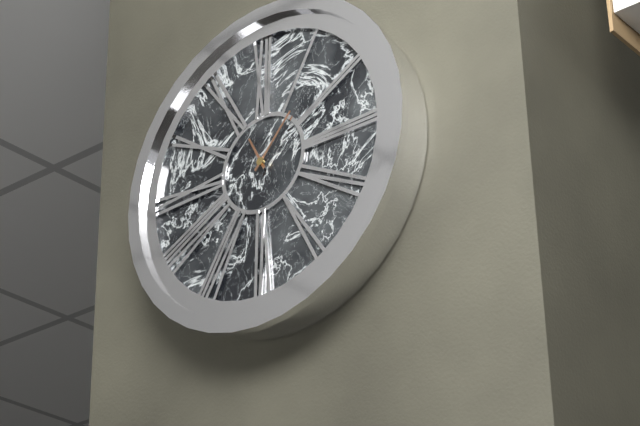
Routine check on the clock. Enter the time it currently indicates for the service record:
11:07
